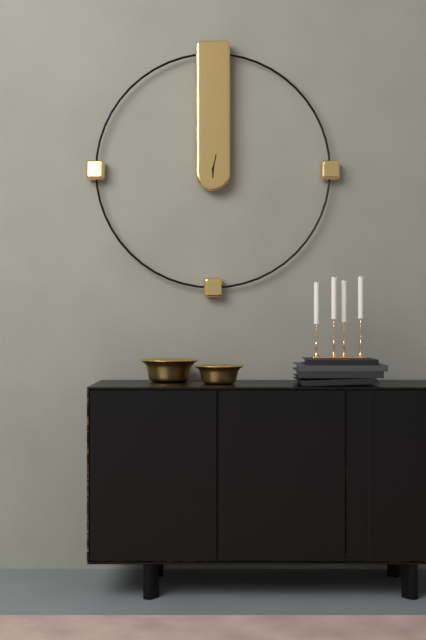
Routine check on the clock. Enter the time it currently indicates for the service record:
6:02
